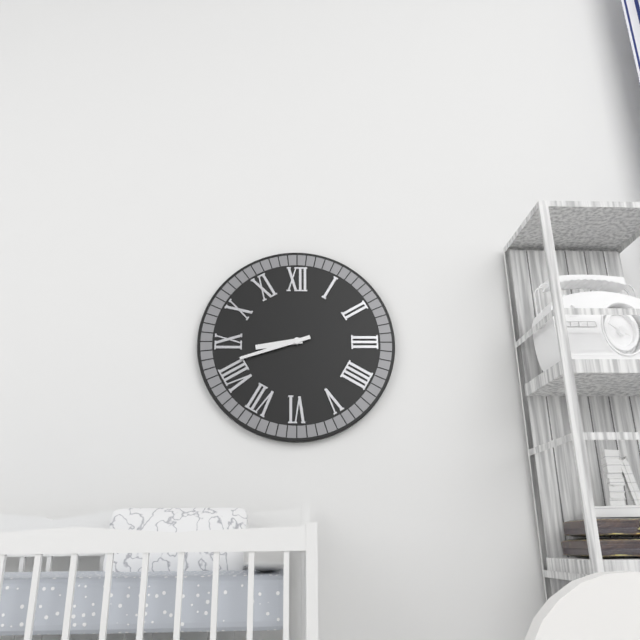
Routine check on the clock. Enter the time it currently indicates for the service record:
8:42
